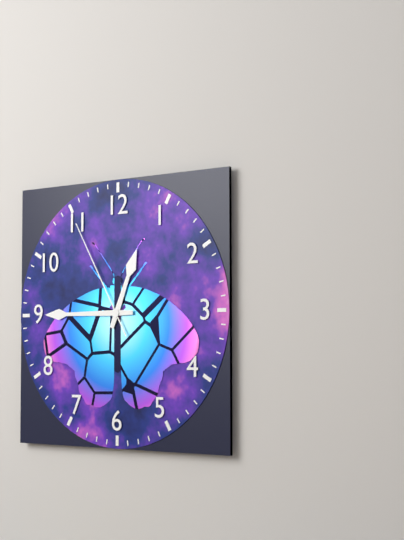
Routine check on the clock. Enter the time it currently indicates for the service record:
12:45:55
